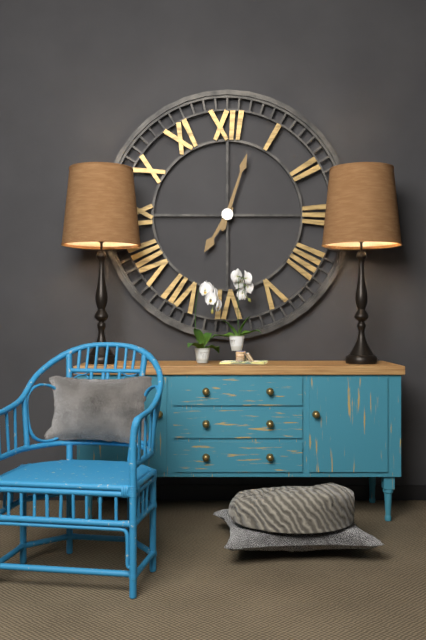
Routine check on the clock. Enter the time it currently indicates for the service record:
7:03
